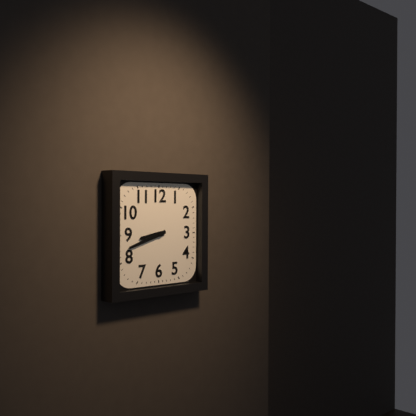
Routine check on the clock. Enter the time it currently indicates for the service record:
8:42
